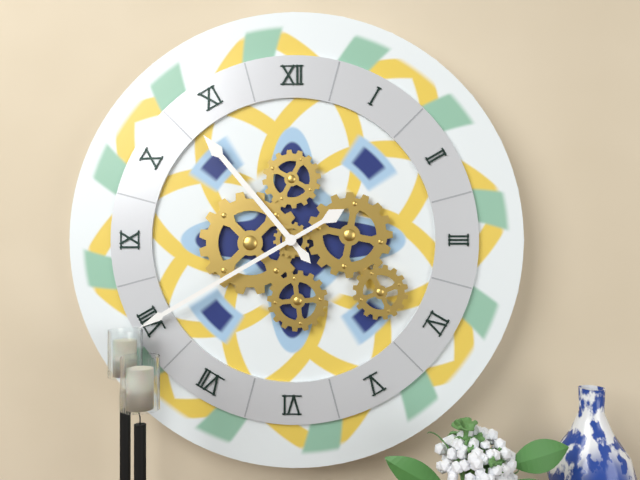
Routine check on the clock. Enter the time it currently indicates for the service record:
10:40
